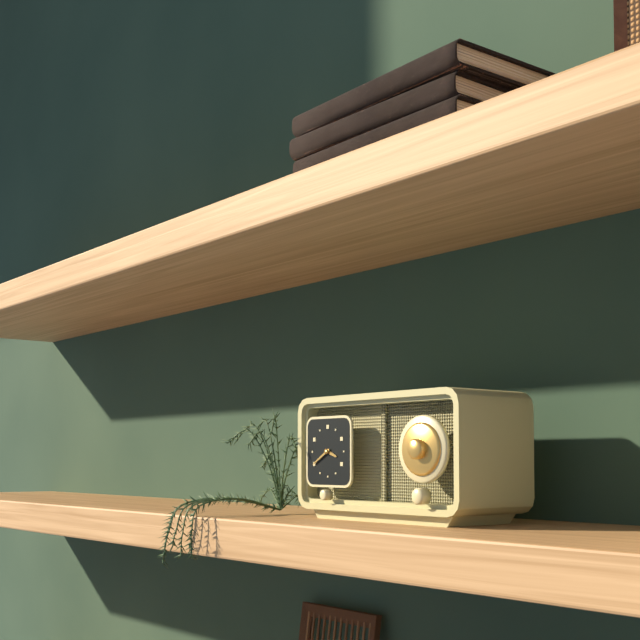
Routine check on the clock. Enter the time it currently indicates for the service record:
3:40
